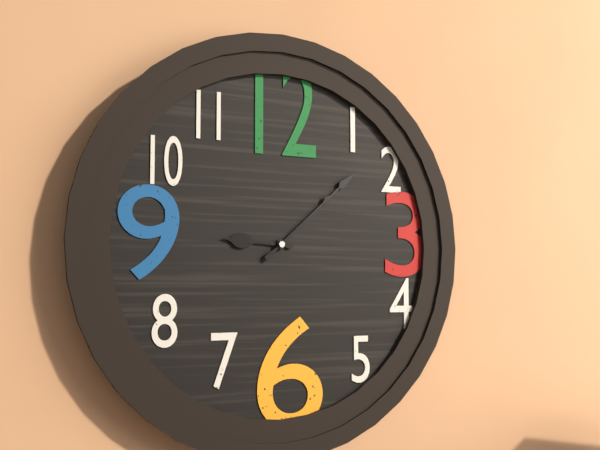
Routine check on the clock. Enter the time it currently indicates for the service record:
9:08
